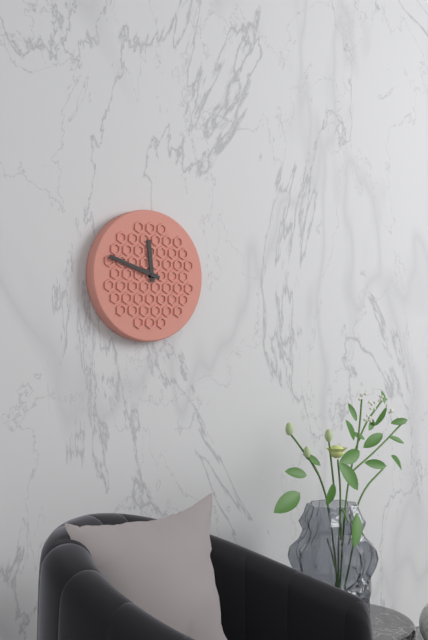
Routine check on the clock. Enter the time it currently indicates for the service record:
11:48
